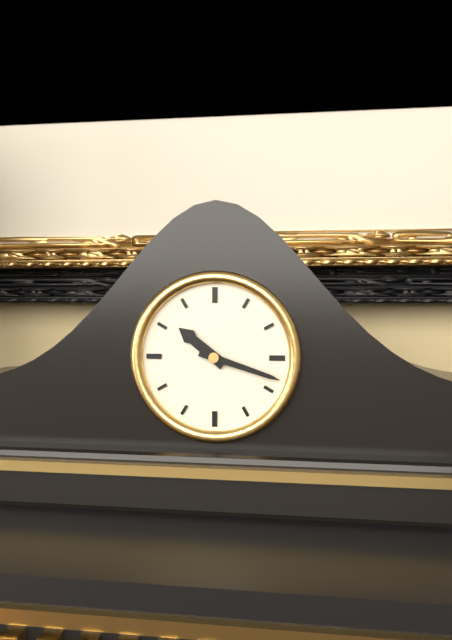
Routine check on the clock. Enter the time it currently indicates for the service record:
10:18
